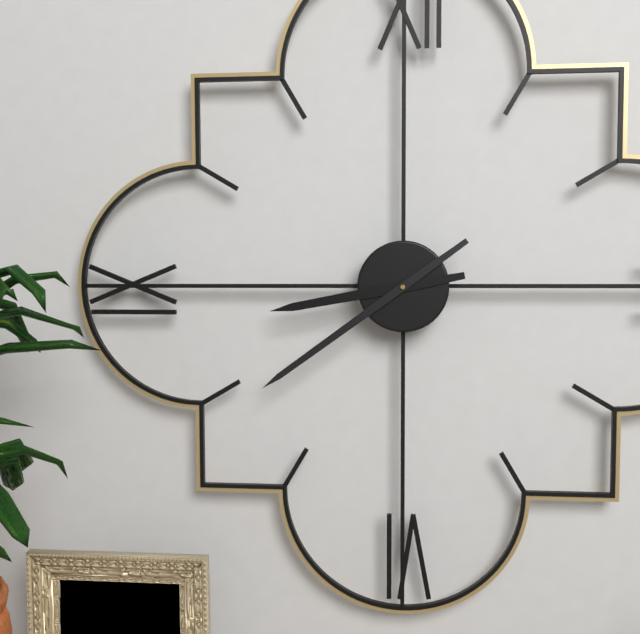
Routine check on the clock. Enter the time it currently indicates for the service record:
8:39
